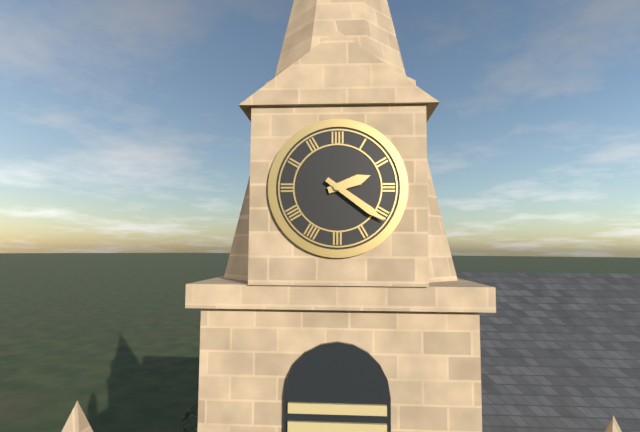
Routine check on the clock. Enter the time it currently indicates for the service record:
2:21
